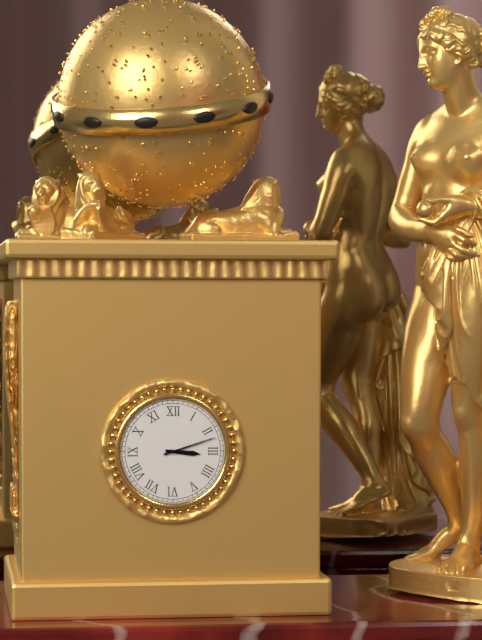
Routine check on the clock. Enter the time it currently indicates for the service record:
3:12
